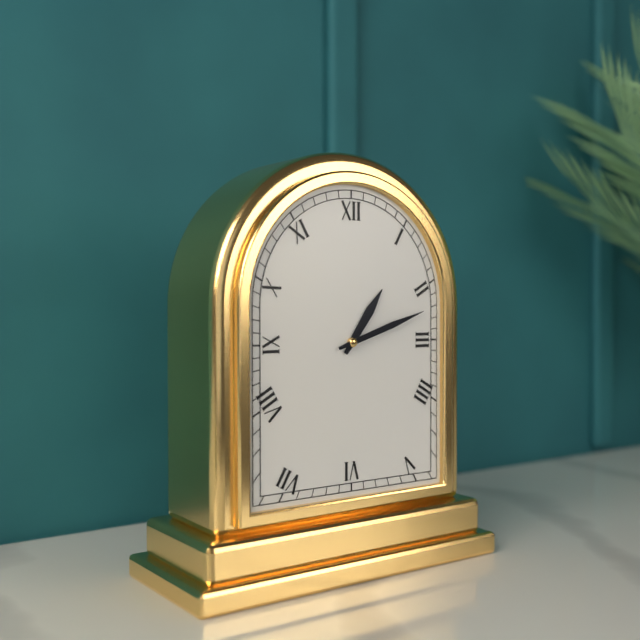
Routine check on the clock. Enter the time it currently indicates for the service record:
1:12
